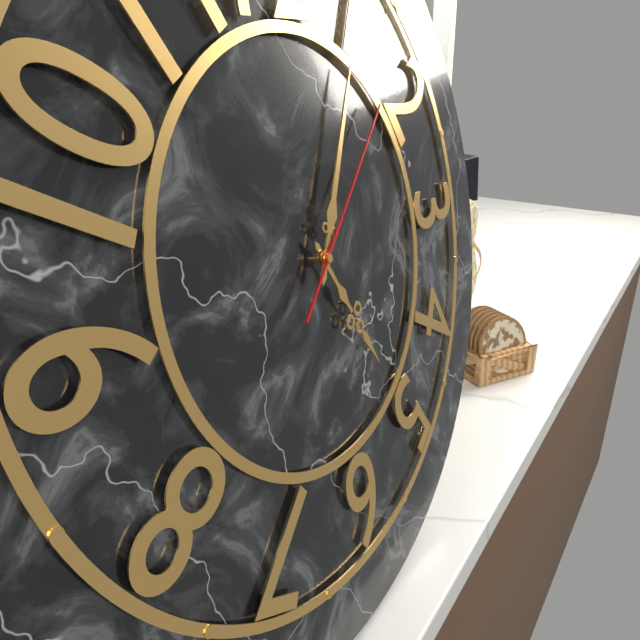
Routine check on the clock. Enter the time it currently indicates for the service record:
5:05:08
